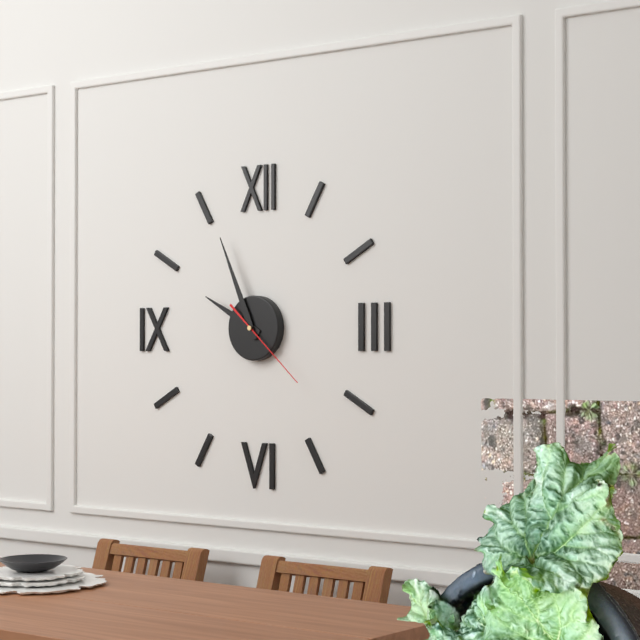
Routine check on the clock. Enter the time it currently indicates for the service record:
9:56:22
